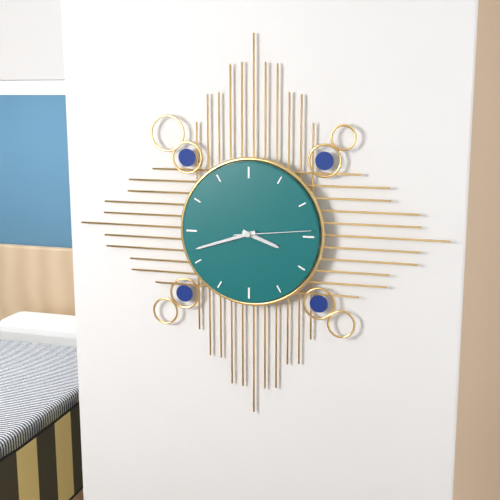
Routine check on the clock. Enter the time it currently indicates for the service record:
3:42:14
